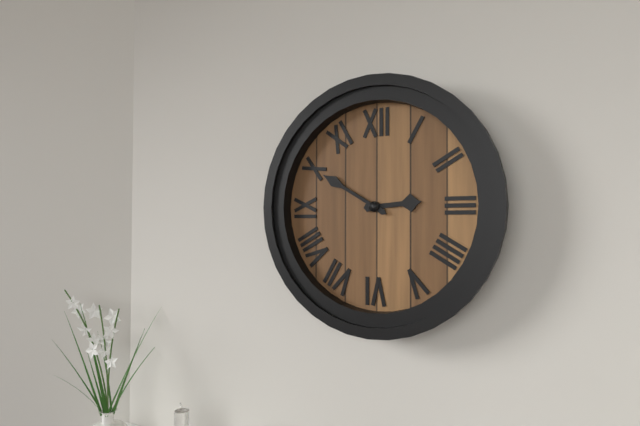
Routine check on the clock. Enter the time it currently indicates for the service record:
2:50
